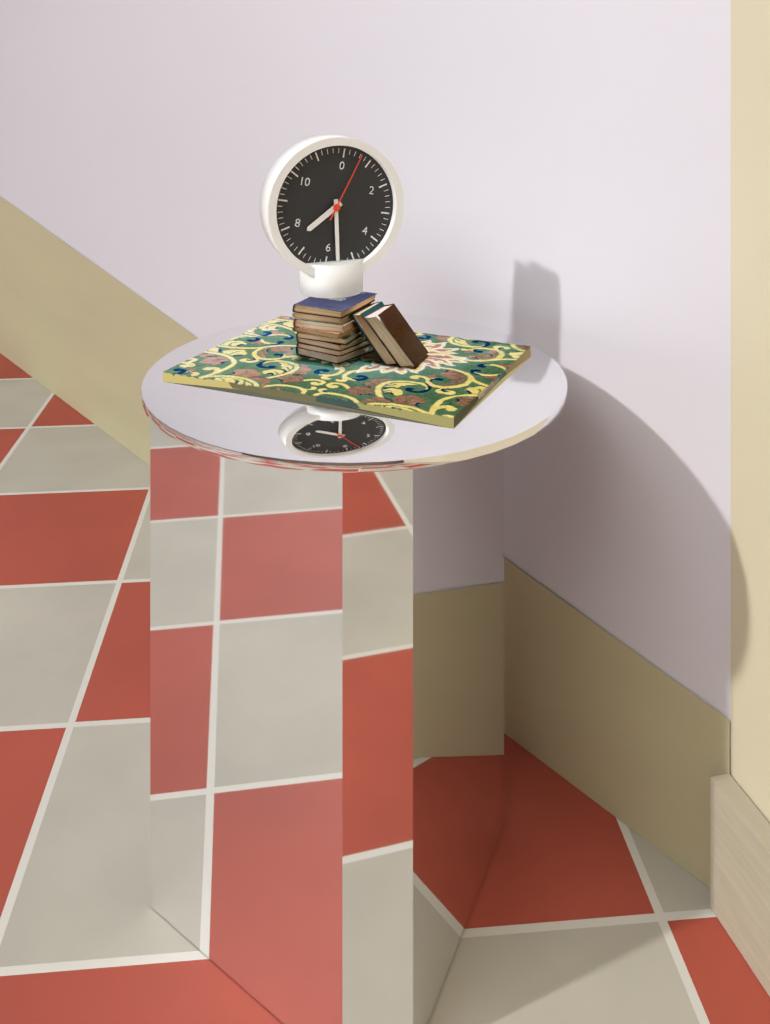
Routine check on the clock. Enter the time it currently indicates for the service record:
7:28:03
